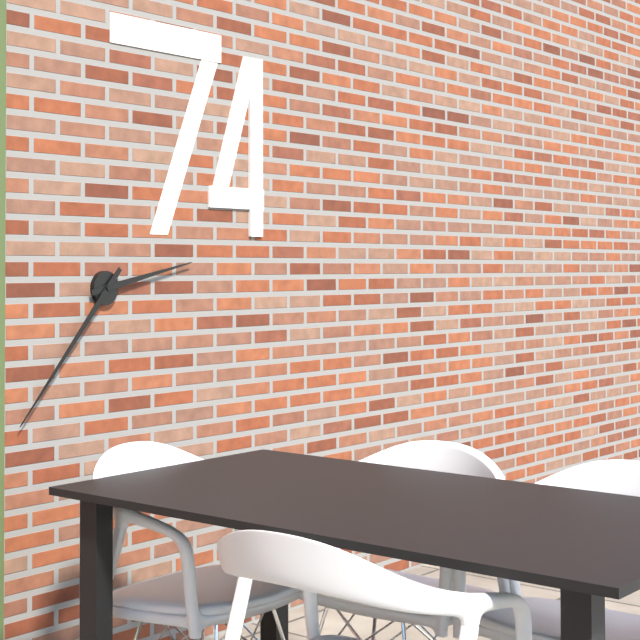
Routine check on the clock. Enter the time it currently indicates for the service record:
2:37
